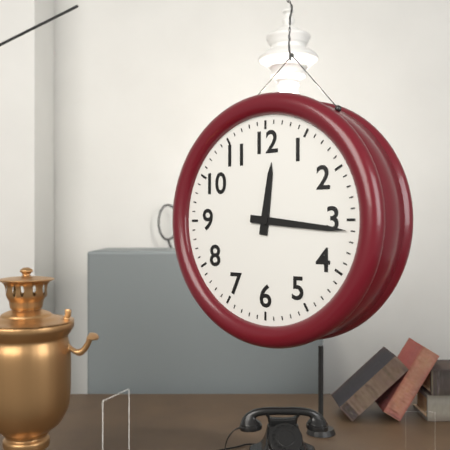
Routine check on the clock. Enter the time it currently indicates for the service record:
12:16
